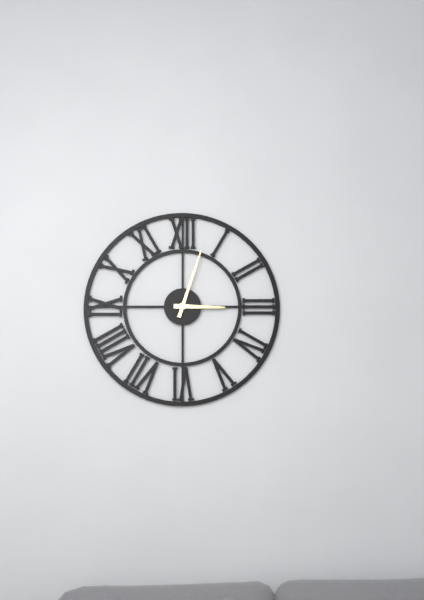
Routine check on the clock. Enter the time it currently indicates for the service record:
3:03
